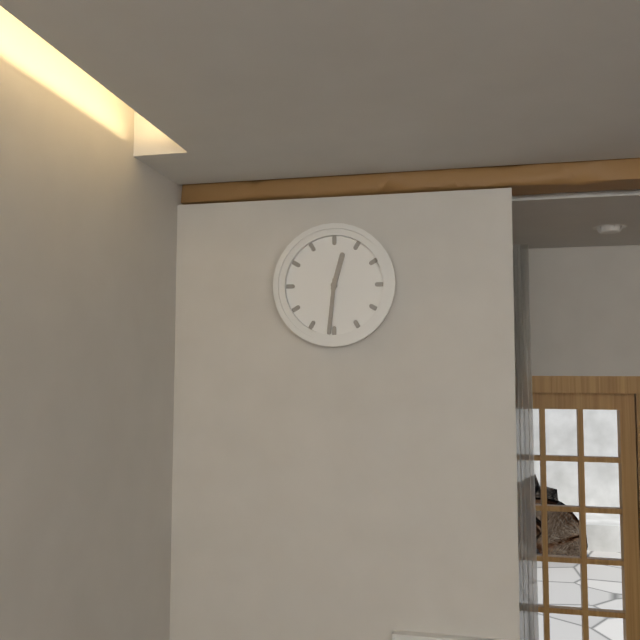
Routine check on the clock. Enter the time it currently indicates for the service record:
12:31
